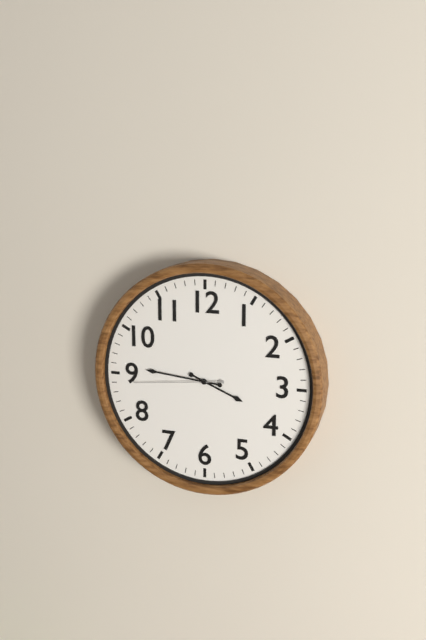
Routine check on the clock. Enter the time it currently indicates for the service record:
3:46:44
